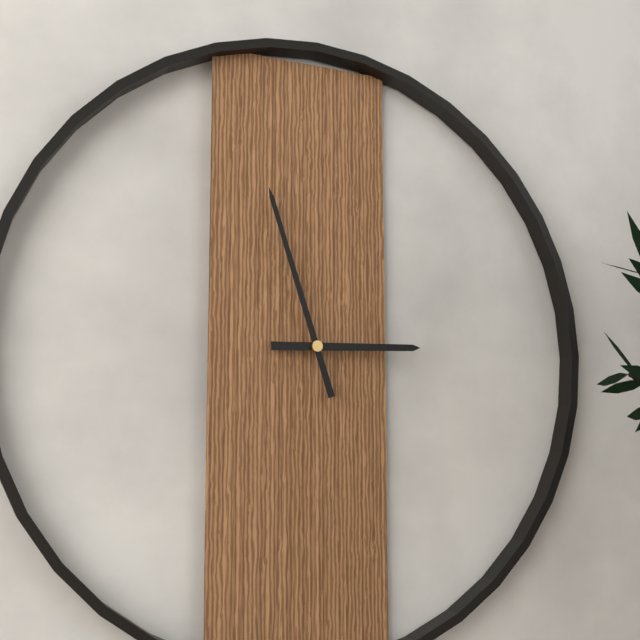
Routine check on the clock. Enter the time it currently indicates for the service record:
2:57
